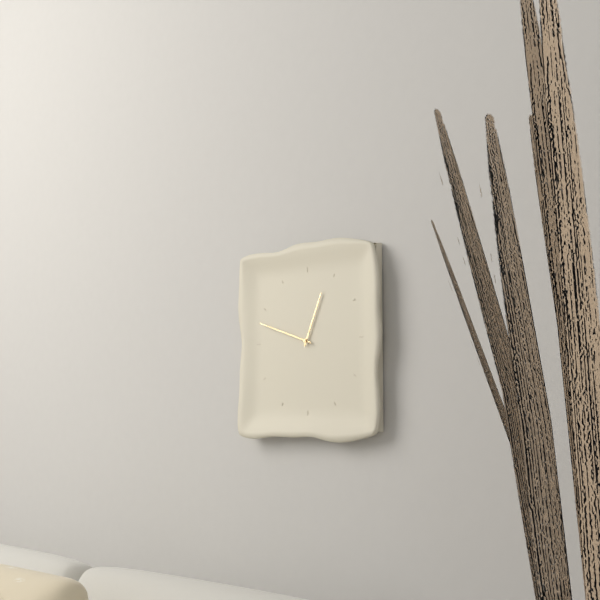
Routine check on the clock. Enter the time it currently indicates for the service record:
12:48
